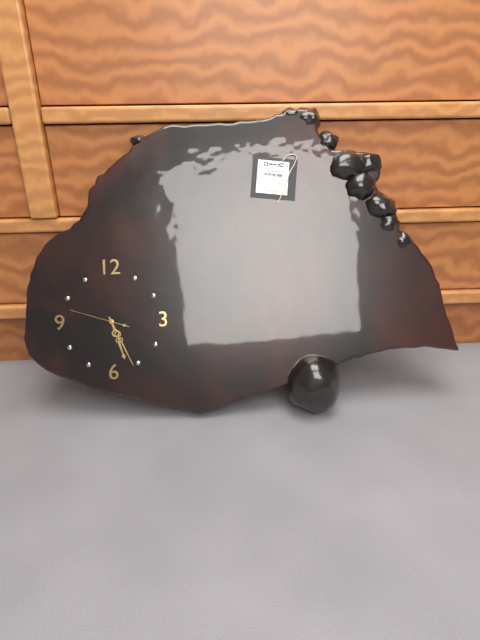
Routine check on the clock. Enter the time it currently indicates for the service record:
5:26:48
